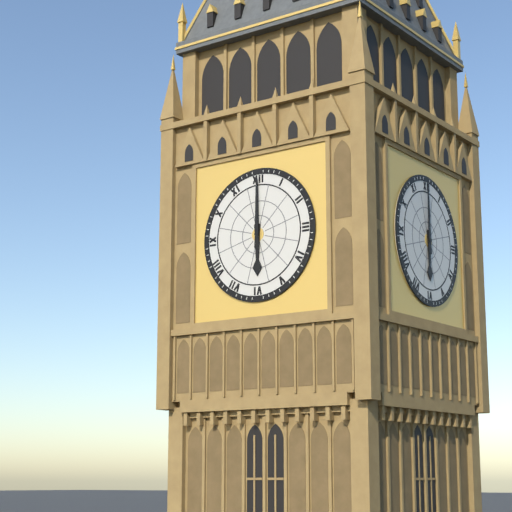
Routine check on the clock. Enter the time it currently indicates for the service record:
6:00
